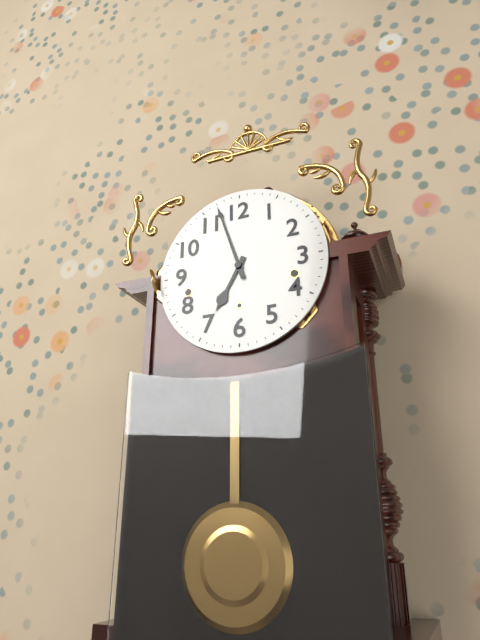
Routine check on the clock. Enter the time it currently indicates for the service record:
6:57
